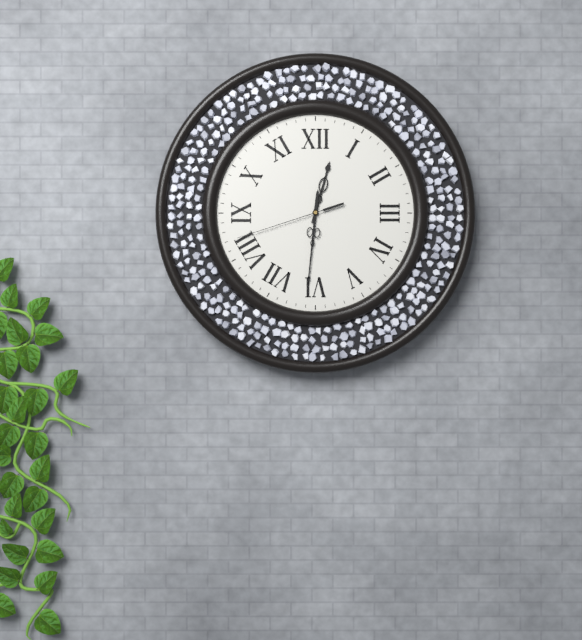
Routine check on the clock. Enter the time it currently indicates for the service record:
12:31:42
